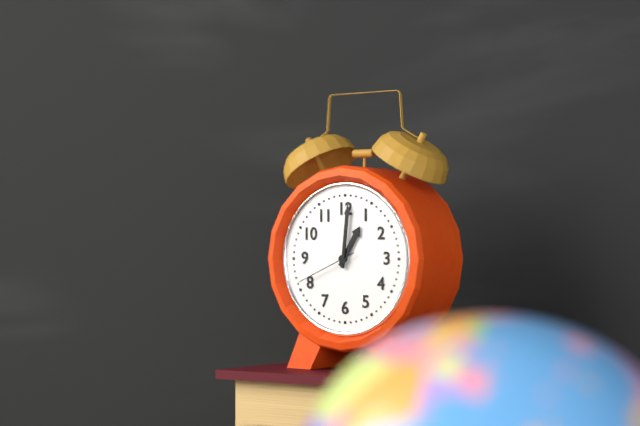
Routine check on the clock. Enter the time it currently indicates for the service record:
1:01:41
